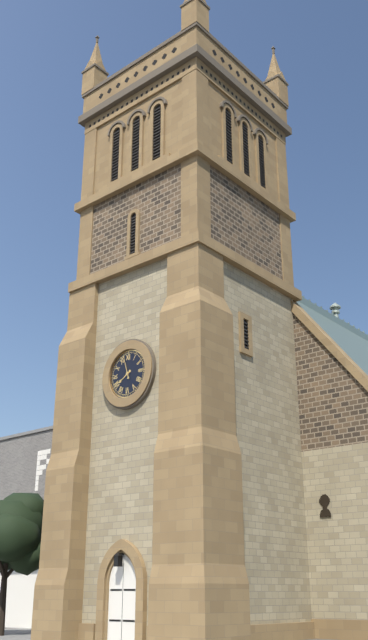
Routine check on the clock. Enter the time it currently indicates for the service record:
7:57
